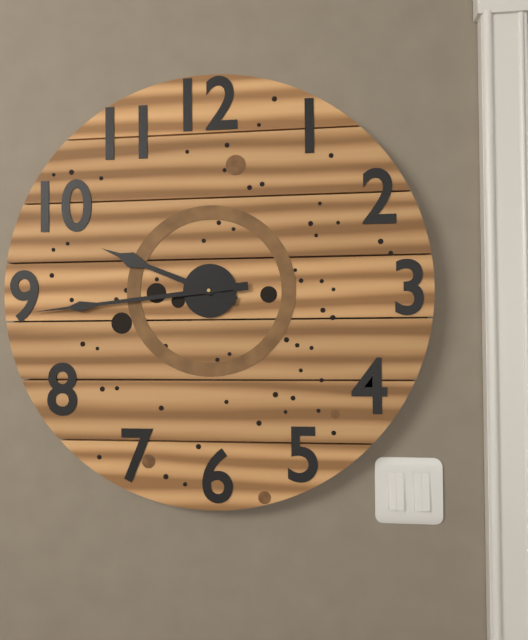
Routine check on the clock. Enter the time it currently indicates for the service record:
9:44
